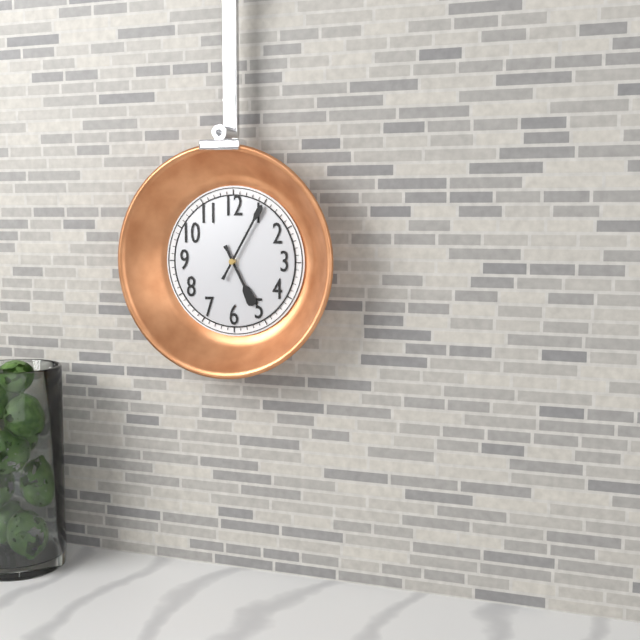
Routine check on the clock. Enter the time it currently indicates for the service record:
5:05
